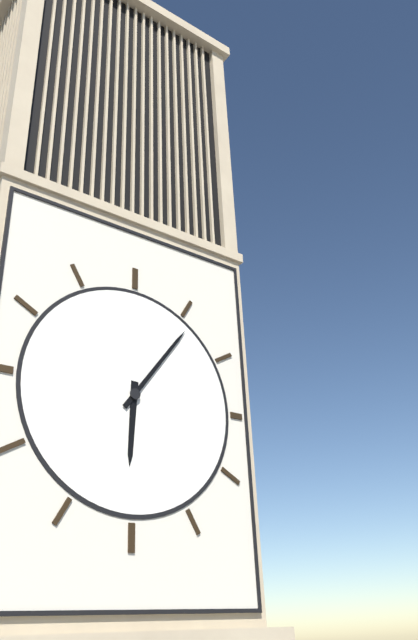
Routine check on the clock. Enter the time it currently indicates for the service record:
6:06
